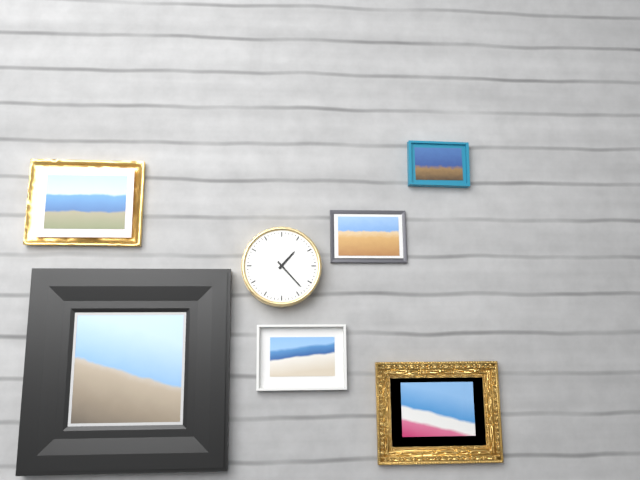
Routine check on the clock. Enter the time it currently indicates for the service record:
1:23
